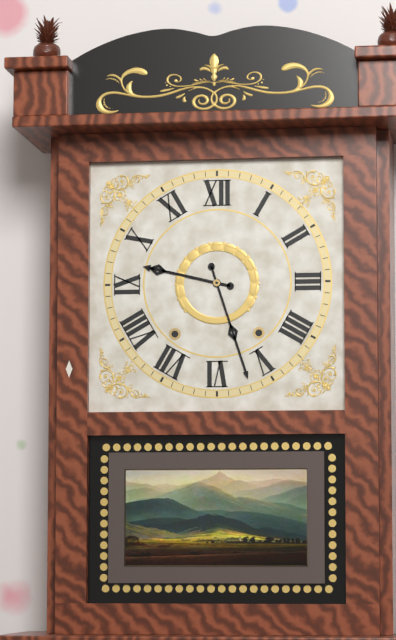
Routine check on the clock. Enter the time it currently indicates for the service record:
9:27
